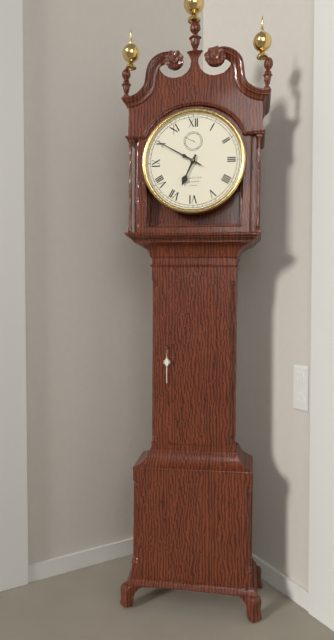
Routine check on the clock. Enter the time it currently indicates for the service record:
6:50
